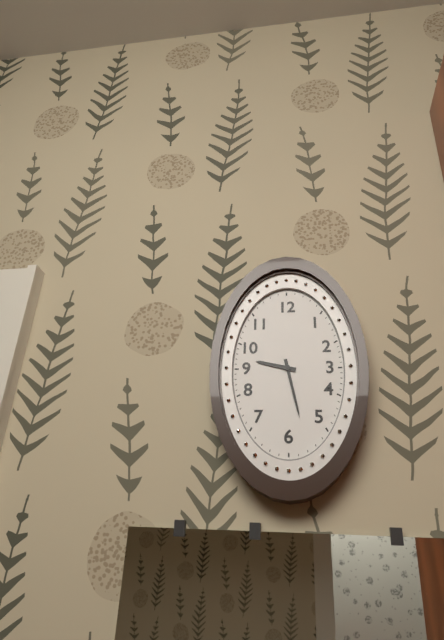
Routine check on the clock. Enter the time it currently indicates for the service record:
9:28
